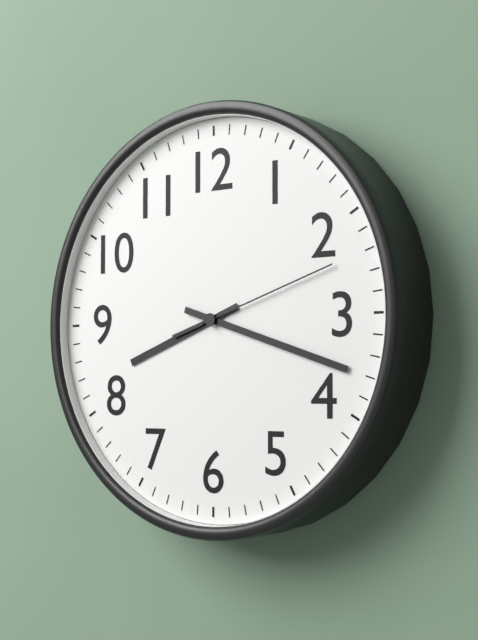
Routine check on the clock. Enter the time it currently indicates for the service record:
8:18:12
